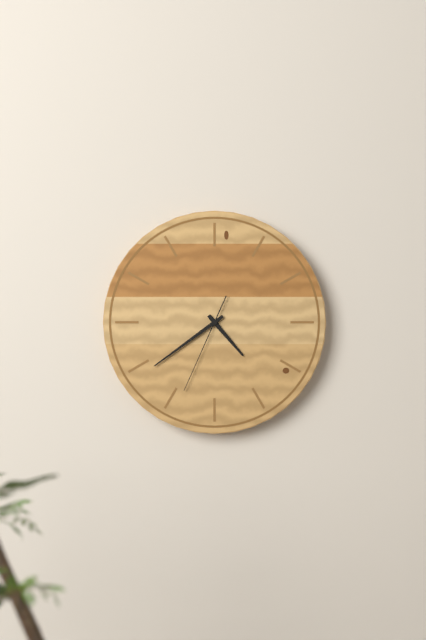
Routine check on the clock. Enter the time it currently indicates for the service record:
4:39:34
